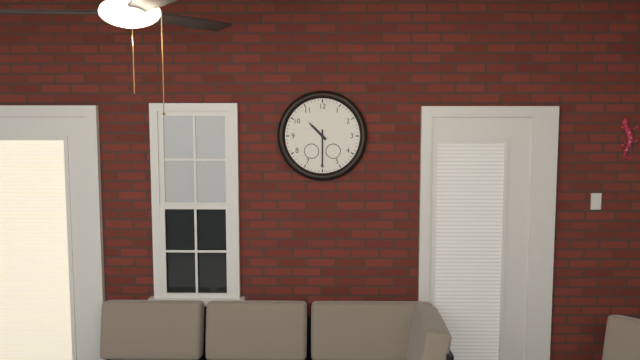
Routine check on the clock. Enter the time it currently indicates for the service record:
10:30
